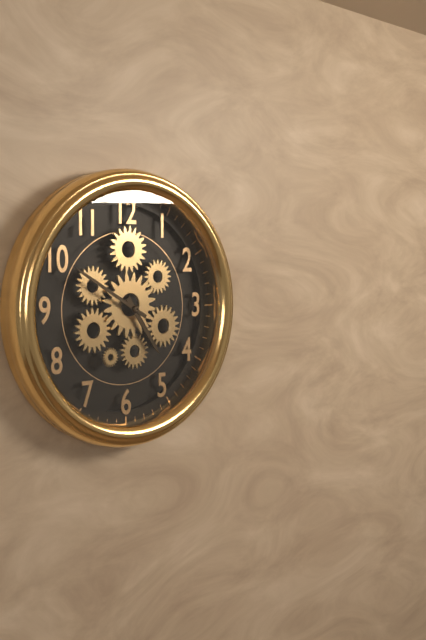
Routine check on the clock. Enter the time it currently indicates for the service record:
4:50
